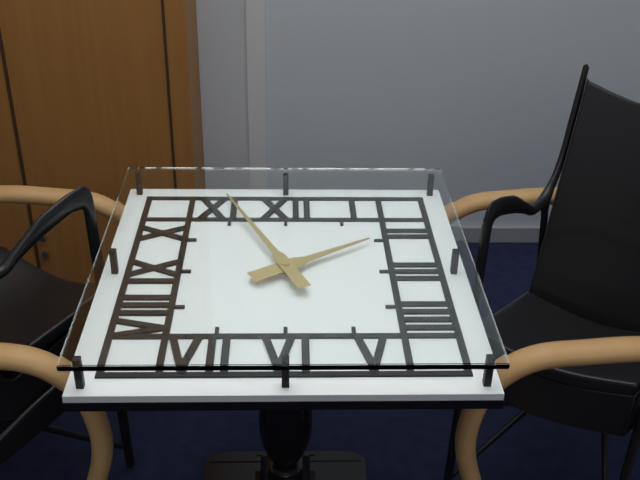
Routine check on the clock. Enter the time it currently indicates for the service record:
1:56
